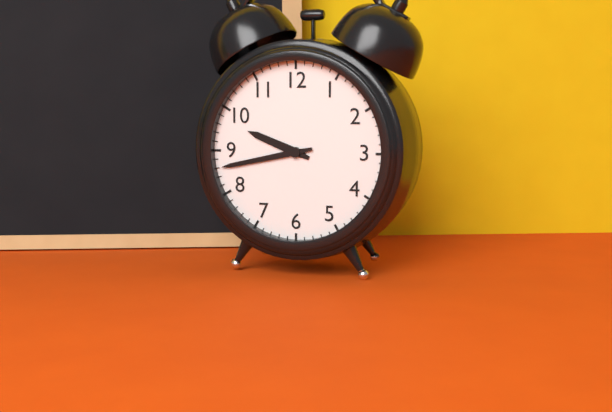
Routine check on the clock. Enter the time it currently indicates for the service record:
9:43
